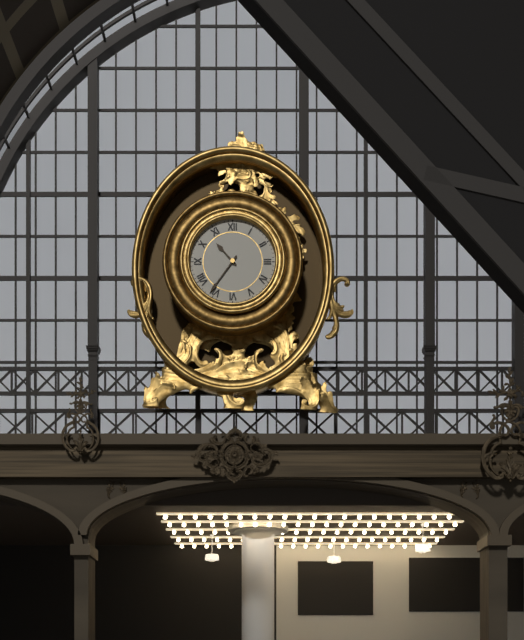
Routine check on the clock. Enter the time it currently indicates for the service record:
10:36
